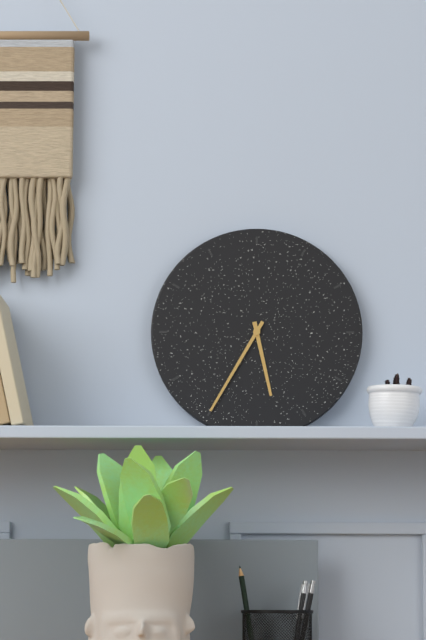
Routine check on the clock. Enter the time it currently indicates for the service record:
5:35
